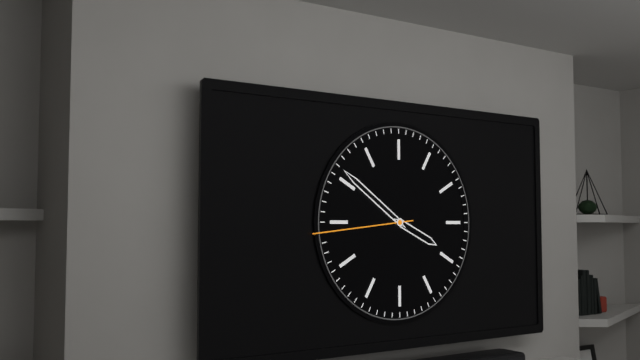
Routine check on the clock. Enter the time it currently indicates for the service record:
3:51:44
